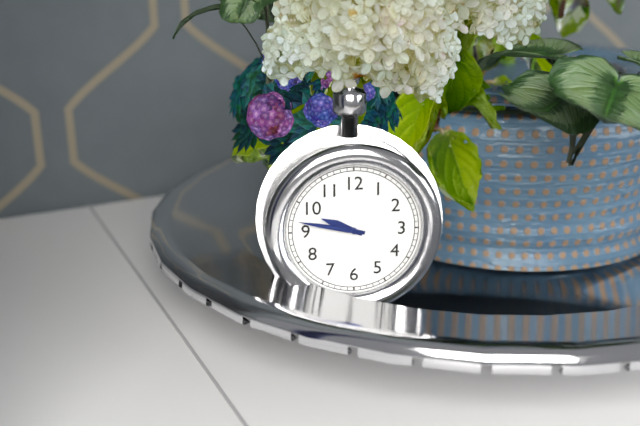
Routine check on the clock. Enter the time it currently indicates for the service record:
9:47
